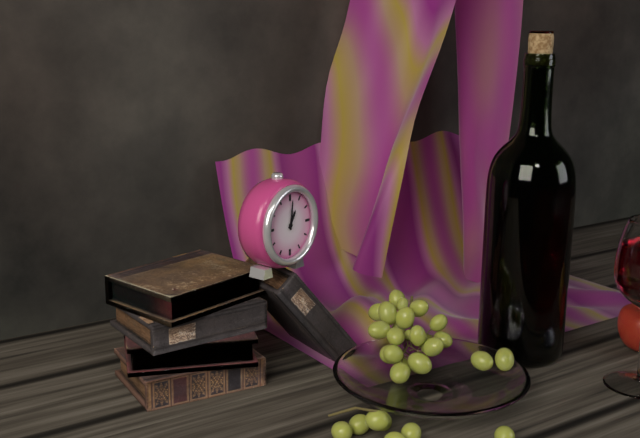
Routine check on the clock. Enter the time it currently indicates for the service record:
1:01
